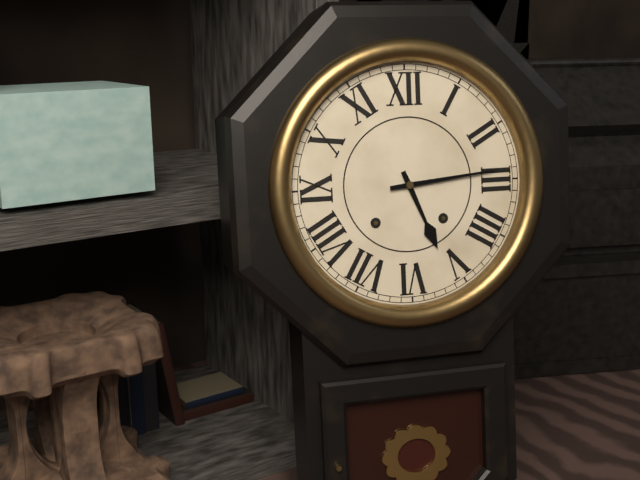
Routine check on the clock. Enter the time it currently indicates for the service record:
5:14
